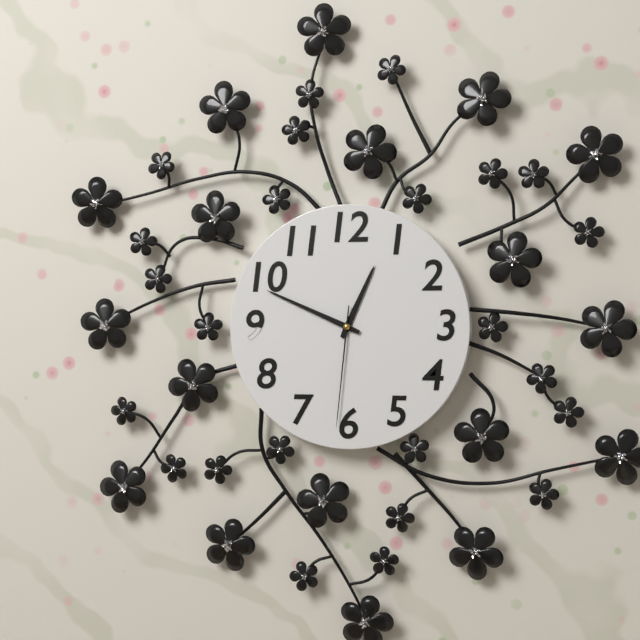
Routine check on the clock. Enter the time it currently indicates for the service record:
12:49:31
